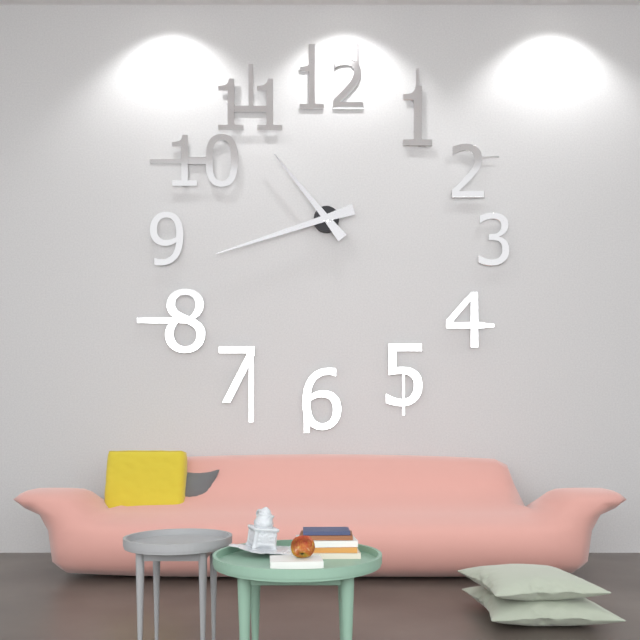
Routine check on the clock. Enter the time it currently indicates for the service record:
10:42
